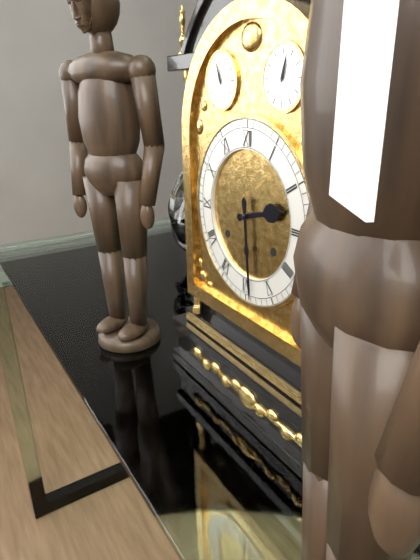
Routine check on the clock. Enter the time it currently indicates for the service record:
2:29
